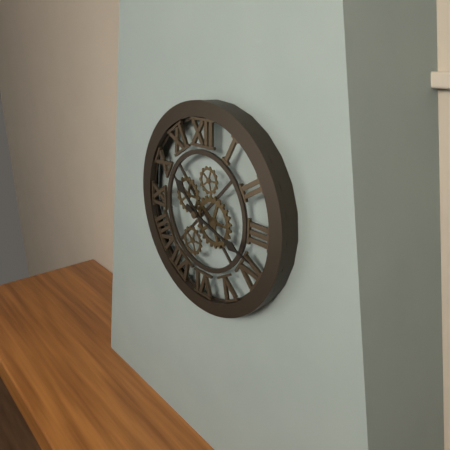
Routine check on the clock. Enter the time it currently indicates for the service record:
10:18
